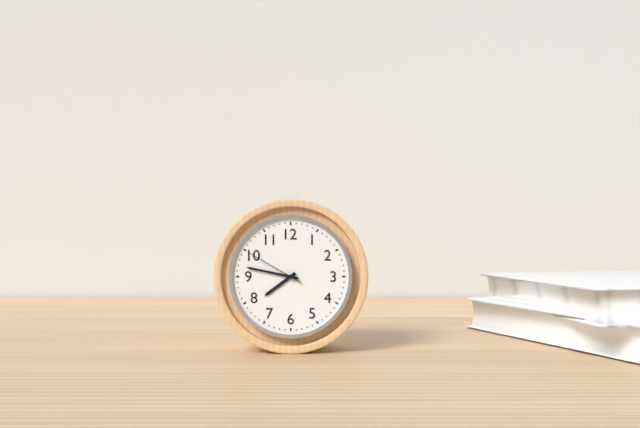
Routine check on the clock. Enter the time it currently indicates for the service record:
7:47:50
